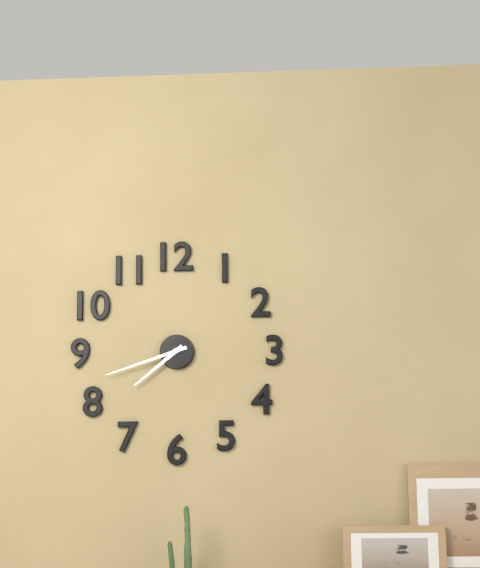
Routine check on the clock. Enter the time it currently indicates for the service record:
7:42
